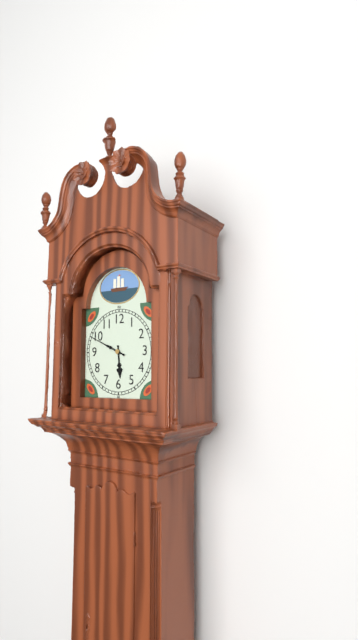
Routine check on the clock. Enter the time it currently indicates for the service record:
5:49
